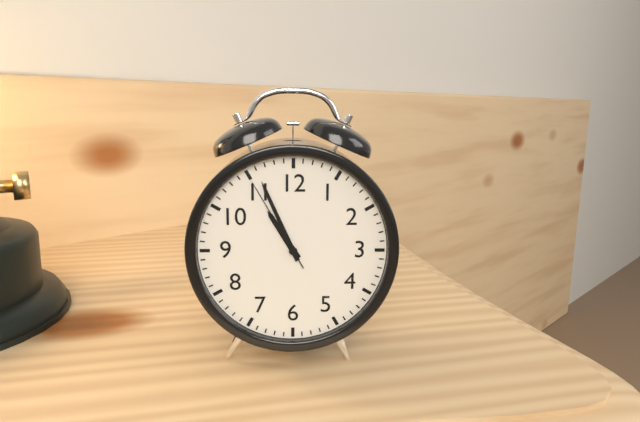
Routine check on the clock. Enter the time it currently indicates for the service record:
10:56:55
